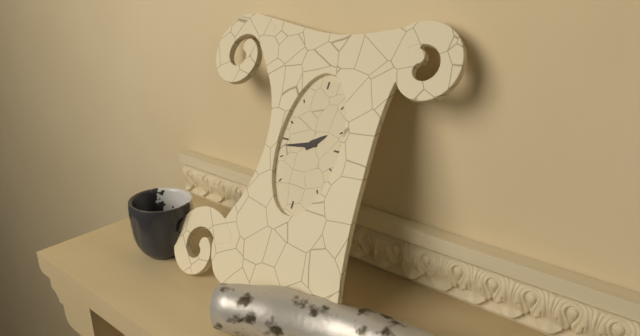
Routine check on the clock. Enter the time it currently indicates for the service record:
1:43
